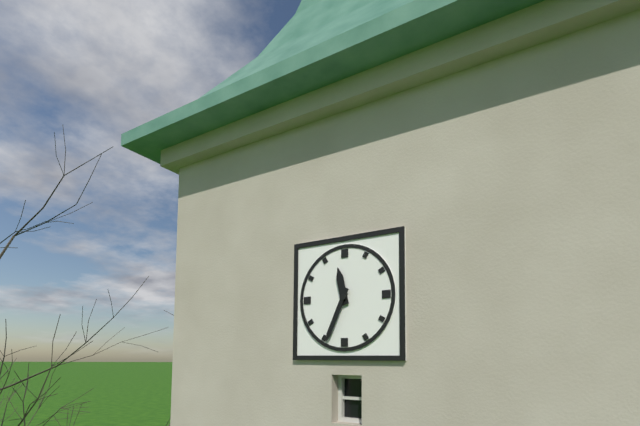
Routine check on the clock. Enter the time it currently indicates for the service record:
11:34
